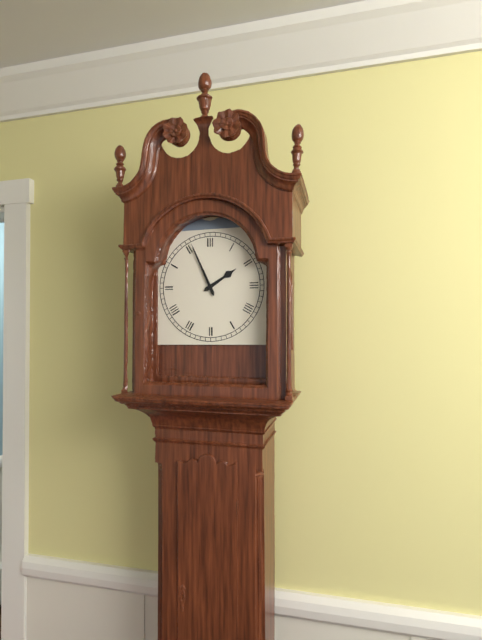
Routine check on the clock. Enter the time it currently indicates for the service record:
1:56
